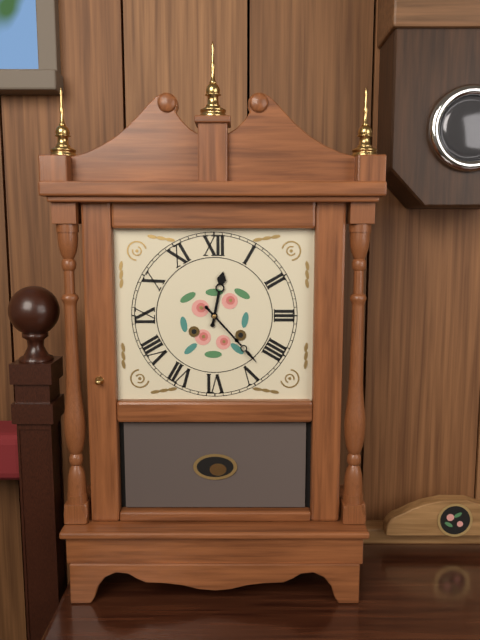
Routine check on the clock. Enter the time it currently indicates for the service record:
12:23
